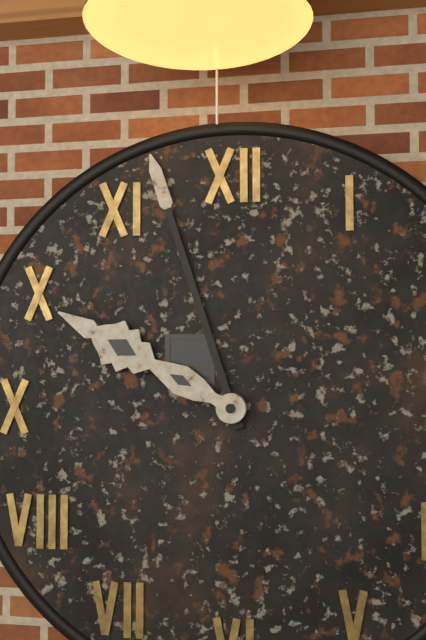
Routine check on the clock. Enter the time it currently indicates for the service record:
9:57
